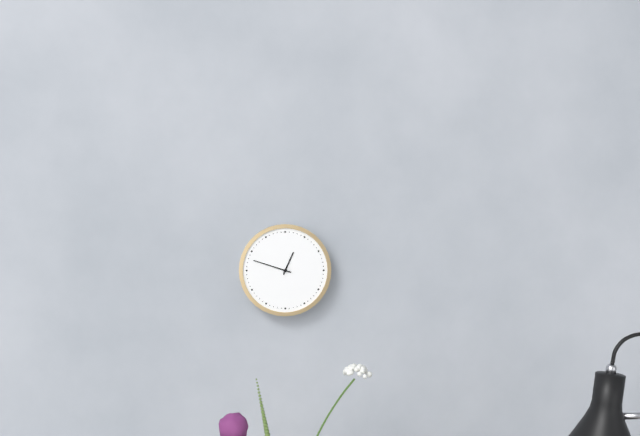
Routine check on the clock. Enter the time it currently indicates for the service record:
12:48
